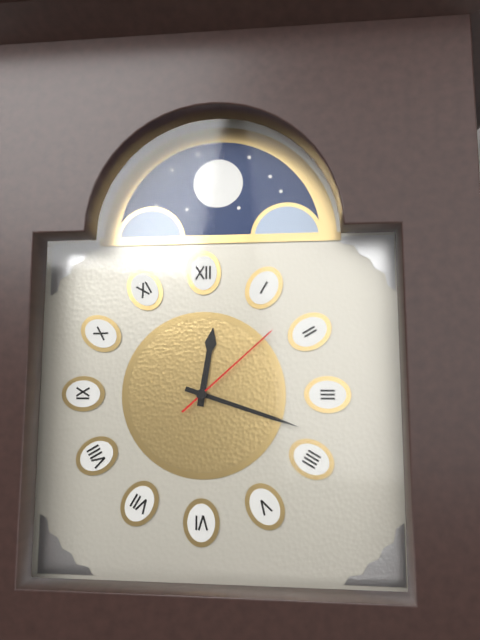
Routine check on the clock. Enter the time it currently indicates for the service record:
12:18:08
